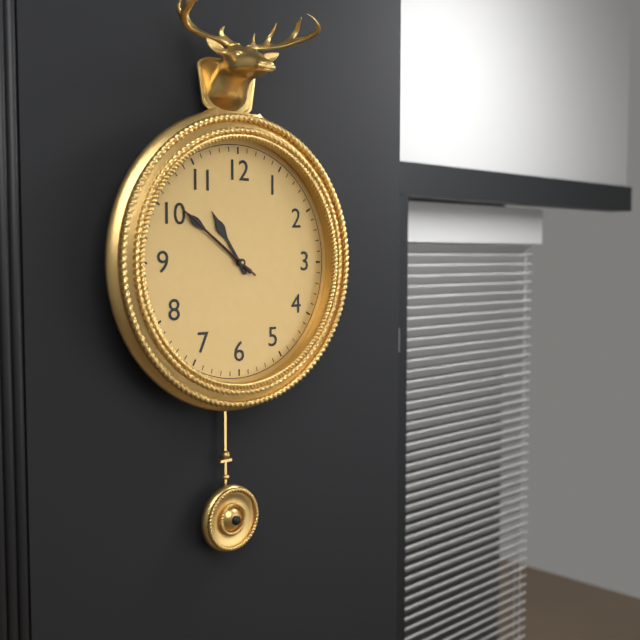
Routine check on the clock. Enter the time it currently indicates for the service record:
10:51:51
